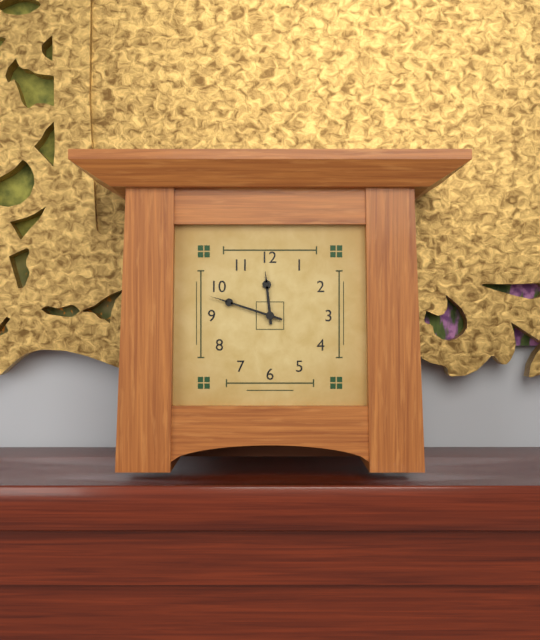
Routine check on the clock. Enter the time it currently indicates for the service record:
11:48
